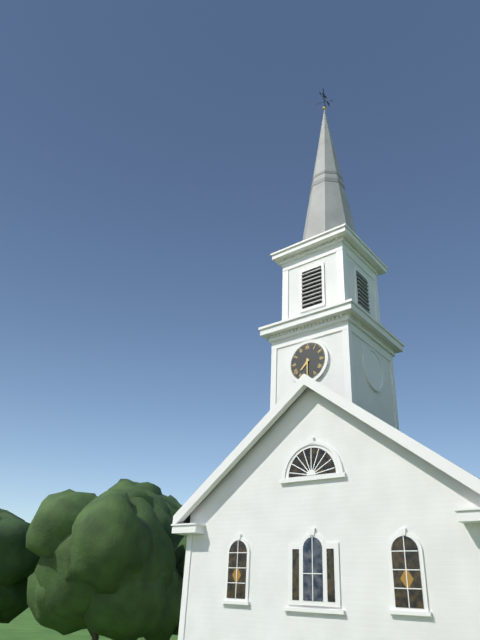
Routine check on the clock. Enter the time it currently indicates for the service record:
7:30
